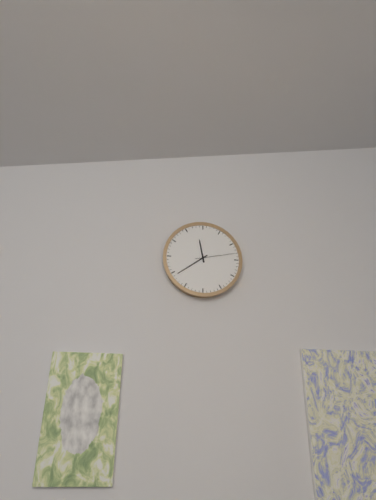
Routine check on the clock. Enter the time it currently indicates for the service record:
11:39
